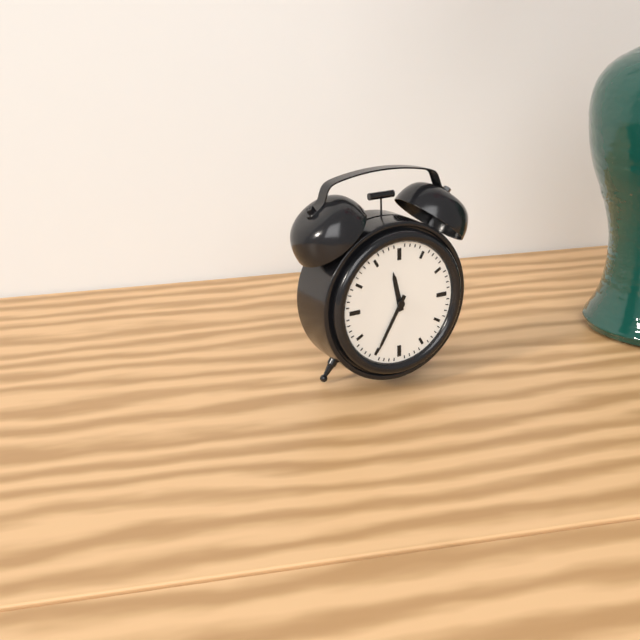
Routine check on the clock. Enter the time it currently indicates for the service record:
11:35
